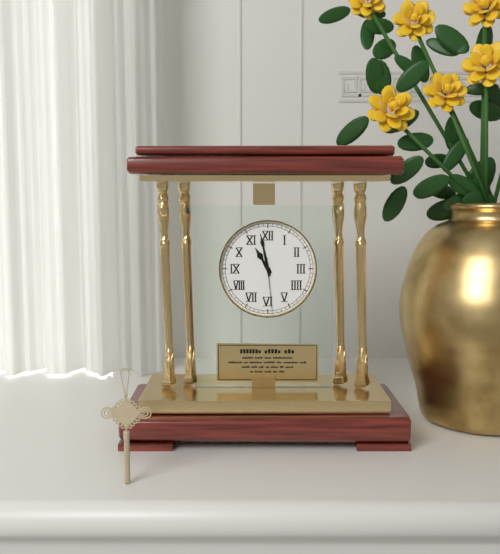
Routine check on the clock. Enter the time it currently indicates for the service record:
10:58:29
